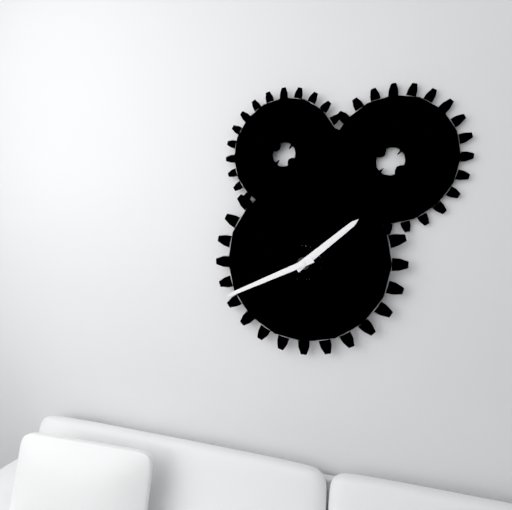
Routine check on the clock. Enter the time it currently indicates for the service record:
1:41
